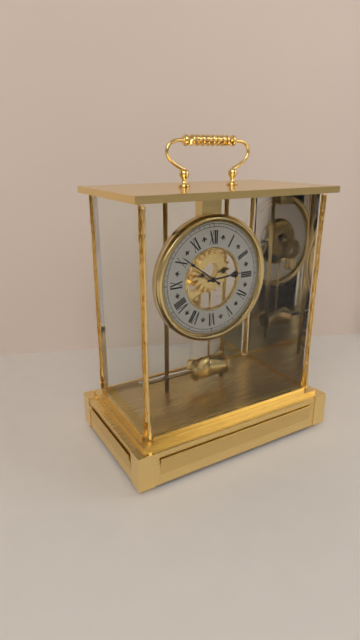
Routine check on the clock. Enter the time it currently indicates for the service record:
2:51
